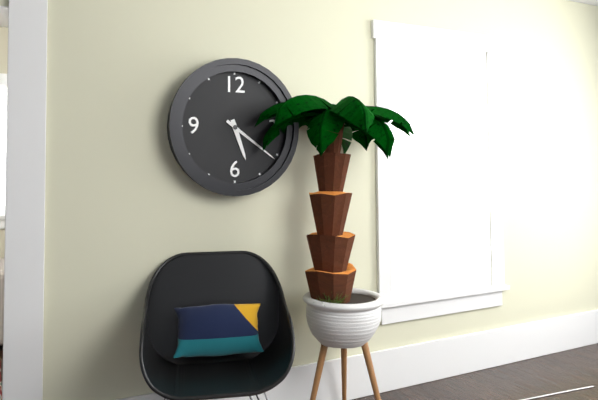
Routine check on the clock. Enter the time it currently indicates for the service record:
5:21
